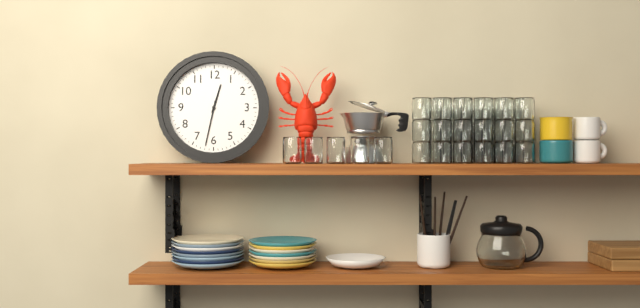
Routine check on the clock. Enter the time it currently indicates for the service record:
12:32
